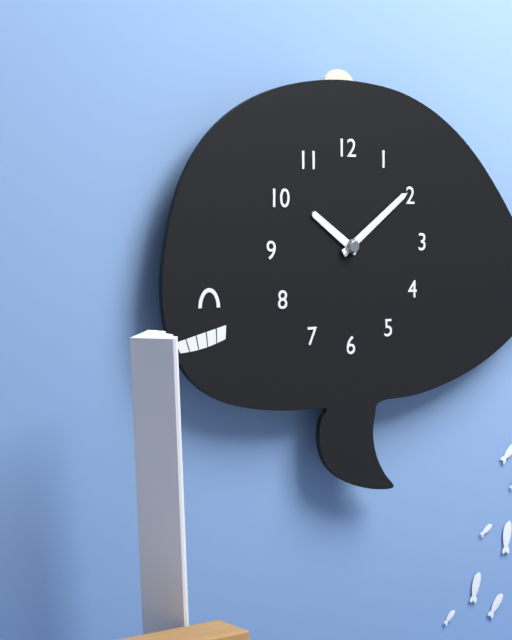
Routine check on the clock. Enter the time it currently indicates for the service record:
10:09:09
